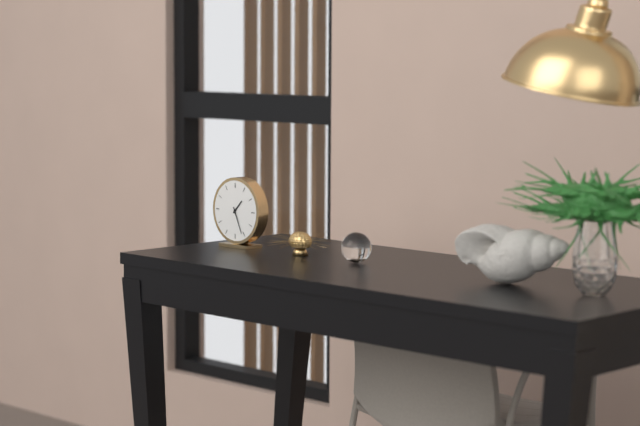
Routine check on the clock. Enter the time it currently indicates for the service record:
1:26
